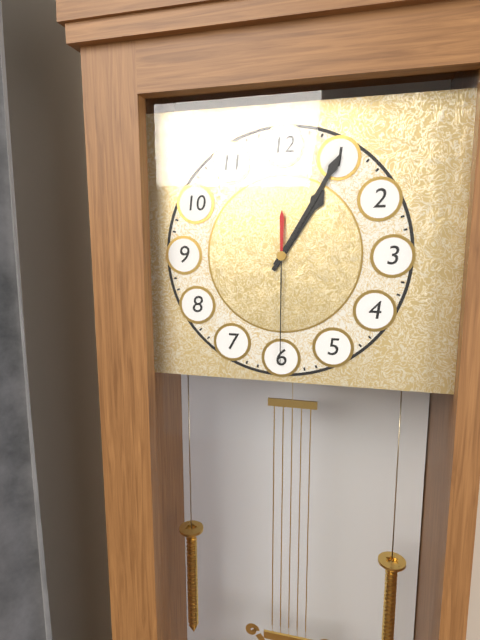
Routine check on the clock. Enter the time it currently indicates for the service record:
1:05:30
